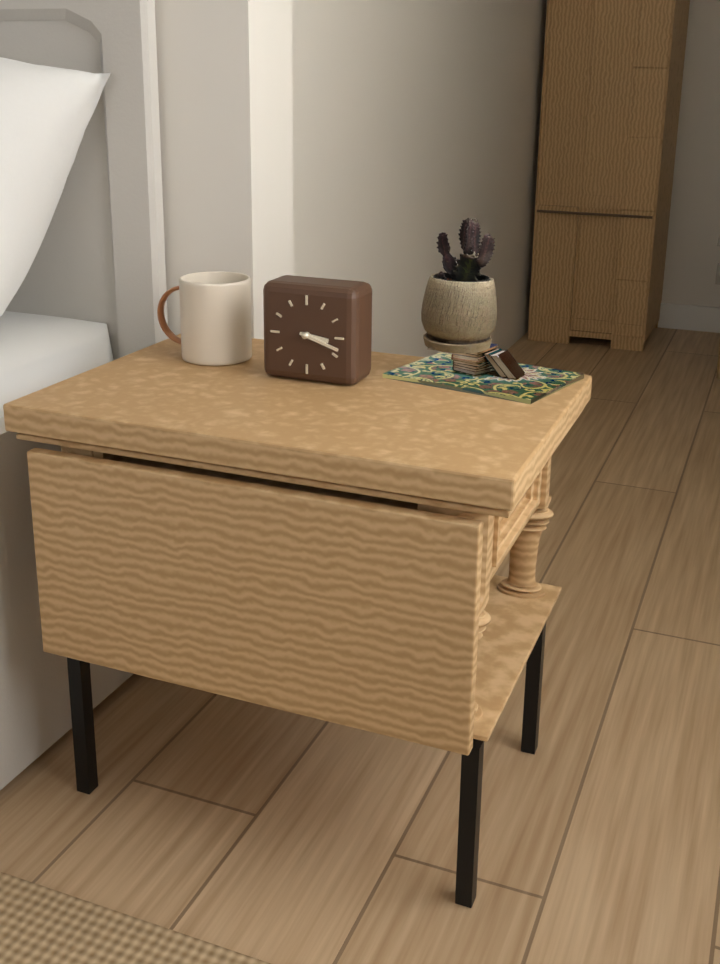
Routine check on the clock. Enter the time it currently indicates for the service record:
3:18
